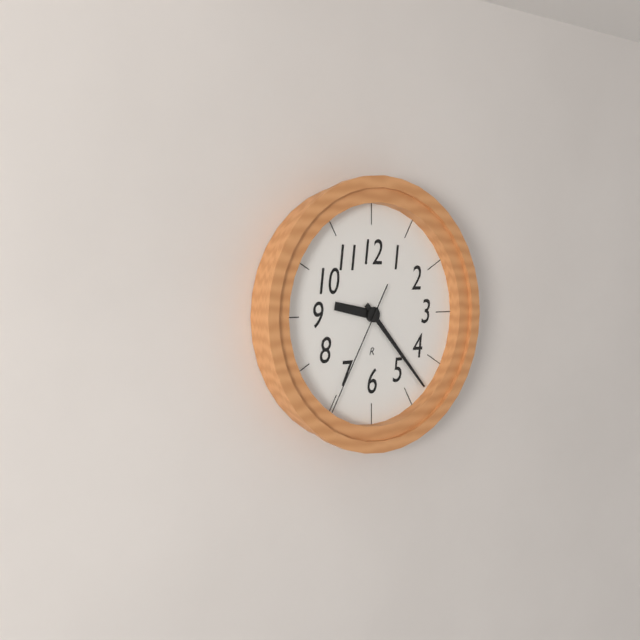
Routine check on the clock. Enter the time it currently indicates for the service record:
9:23:35
